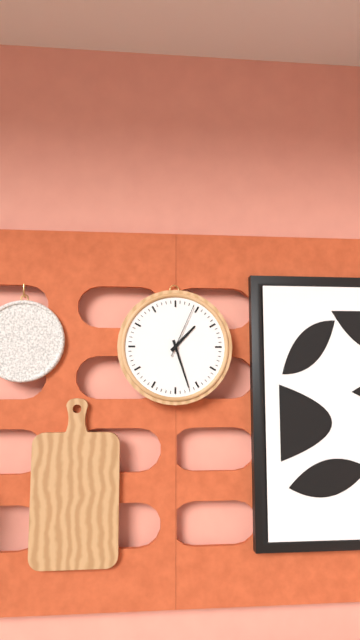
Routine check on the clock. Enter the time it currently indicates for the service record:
1:27:04
